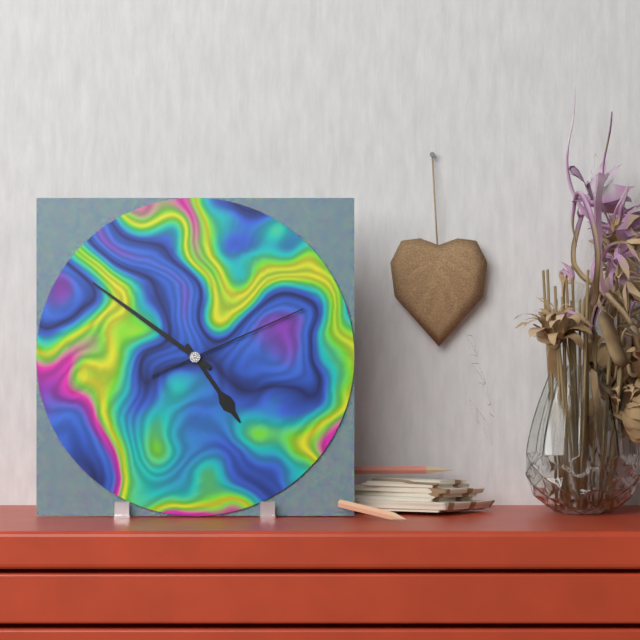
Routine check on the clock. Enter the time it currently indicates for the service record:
4:51:11
